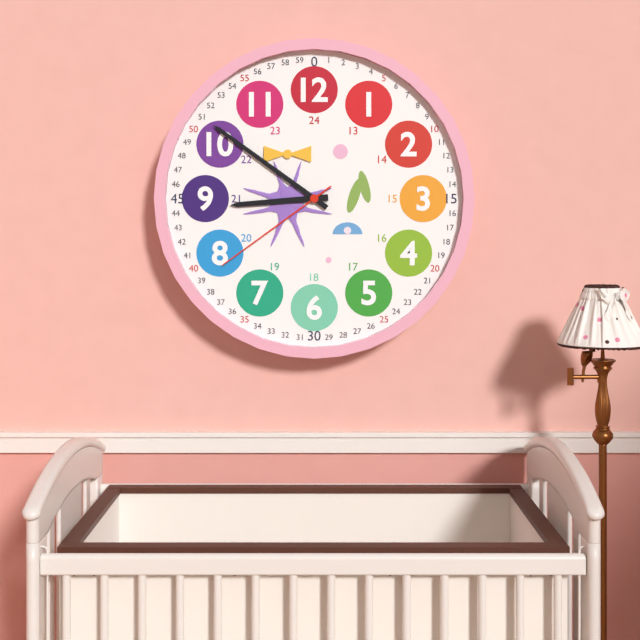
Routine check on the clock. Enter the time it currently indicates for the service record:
8:51:39
